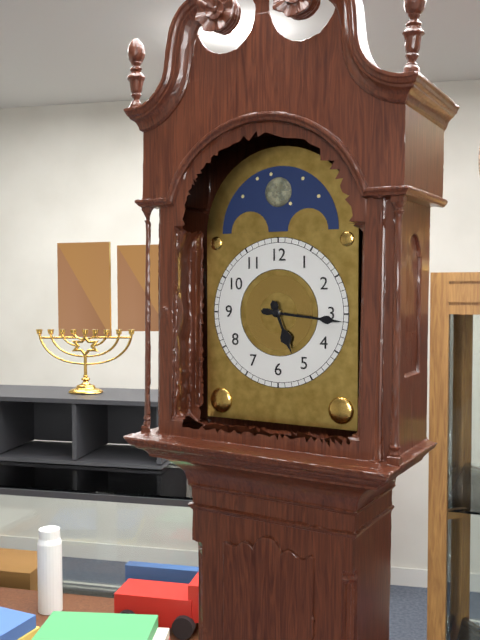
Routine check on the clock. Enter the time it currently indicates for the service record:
5:16
